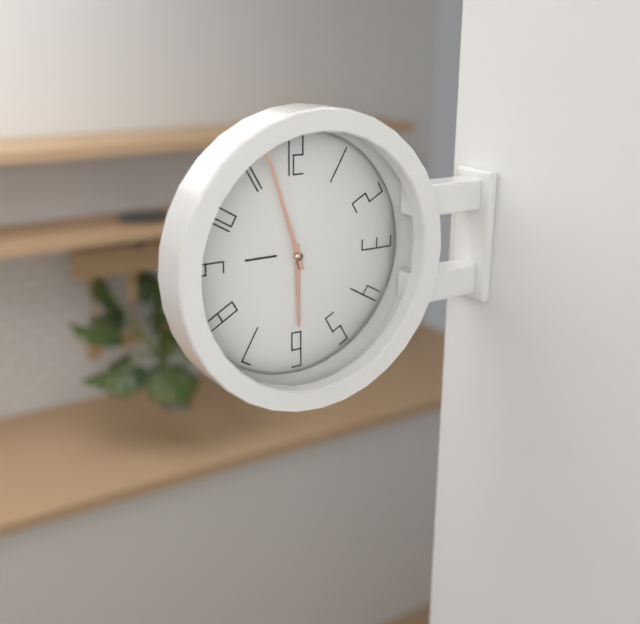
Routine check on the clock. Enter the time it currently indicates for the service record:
5:57
